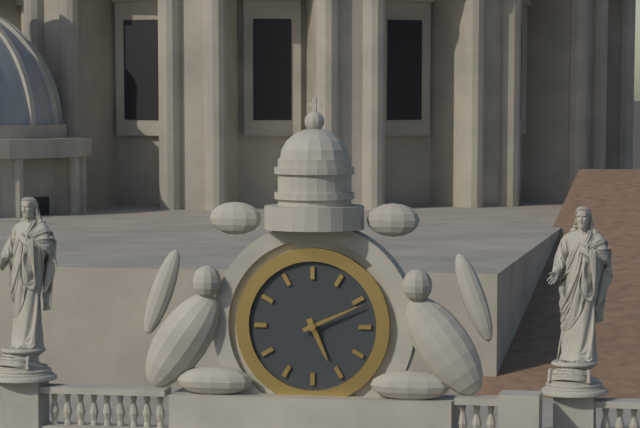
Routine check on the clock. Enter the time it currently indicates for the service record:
5:11
